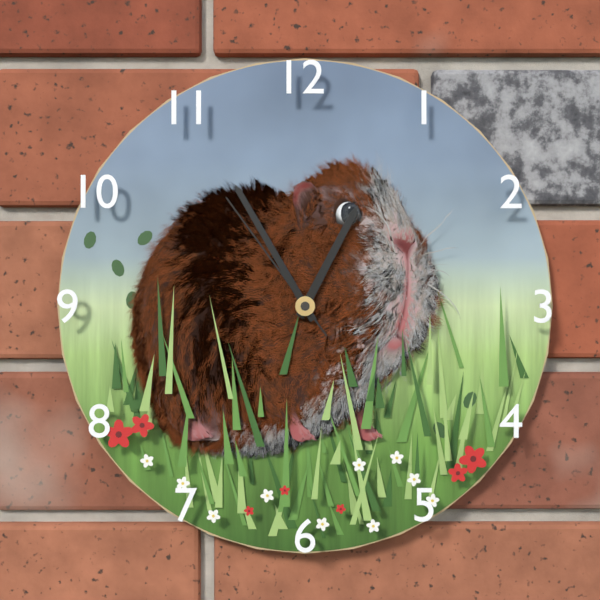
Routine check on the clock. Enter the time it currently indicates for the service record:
12:55:54
